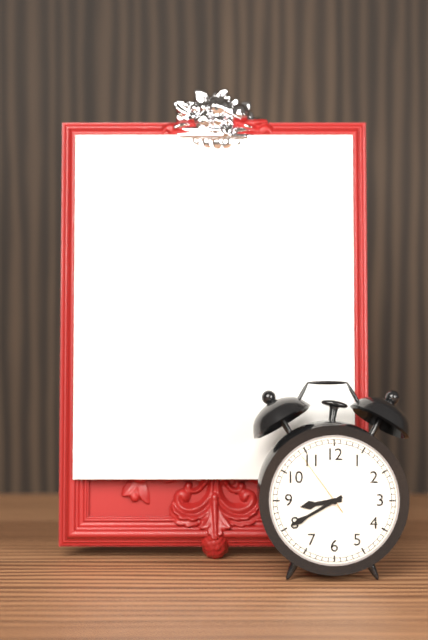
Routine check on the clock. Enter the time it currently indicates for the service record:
8:40:54
